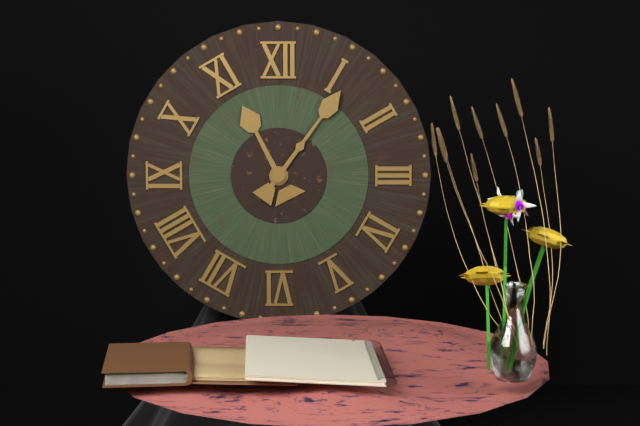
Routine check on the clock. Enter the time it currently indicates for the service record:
11:06
